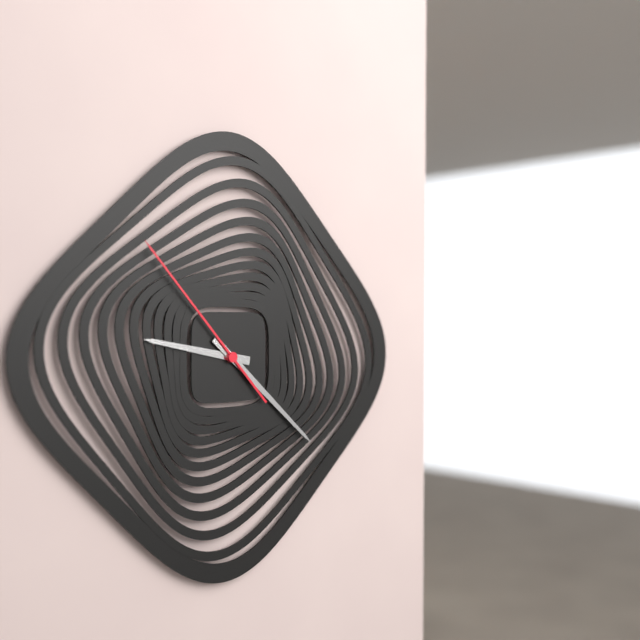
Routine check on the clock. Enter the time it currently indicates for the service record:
9:22:53
